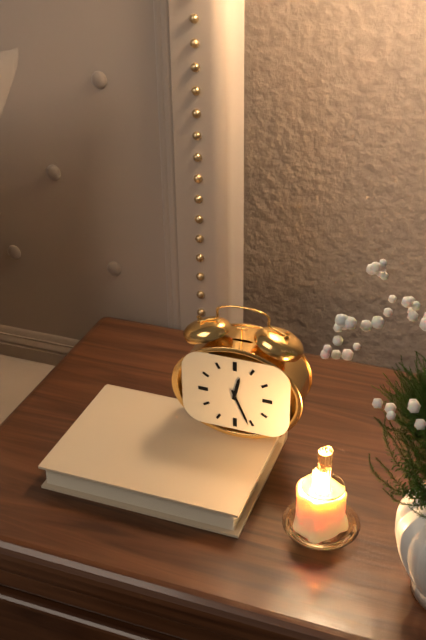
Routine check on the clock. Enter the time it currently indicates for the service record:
12:26
